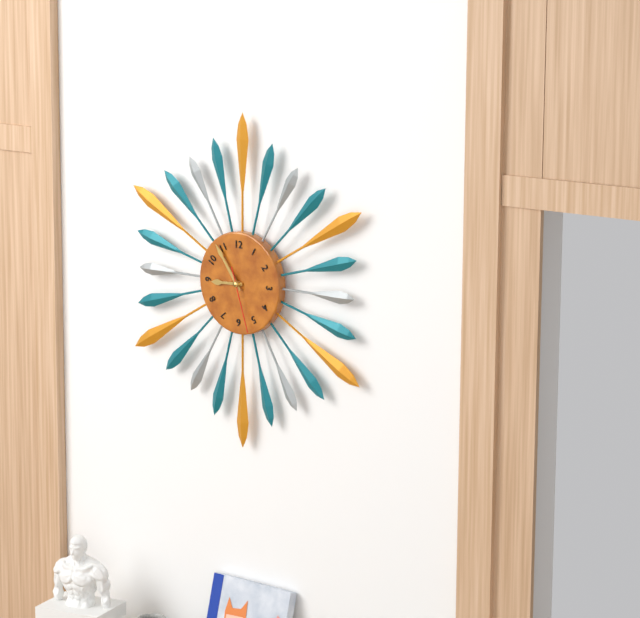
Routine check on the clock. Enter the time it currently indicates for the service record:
8:54:27
